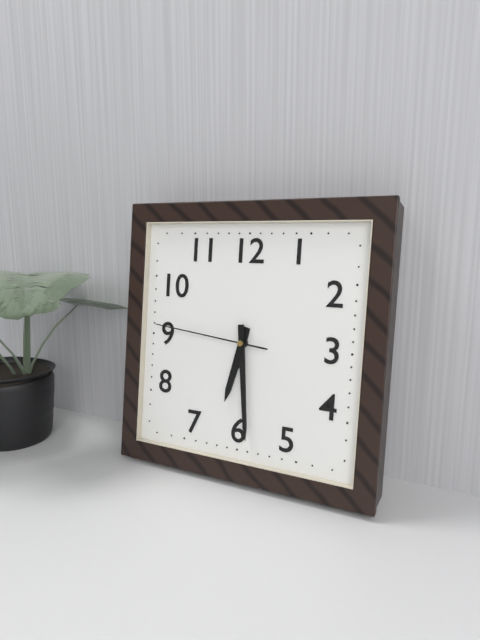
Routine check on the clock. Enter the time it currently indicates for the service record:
6:29:46
